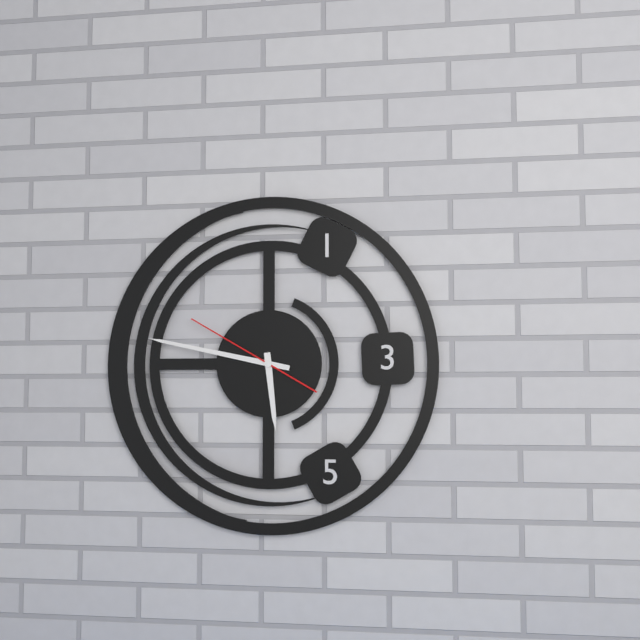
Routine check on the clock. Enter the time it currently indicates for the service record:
5:47:50
